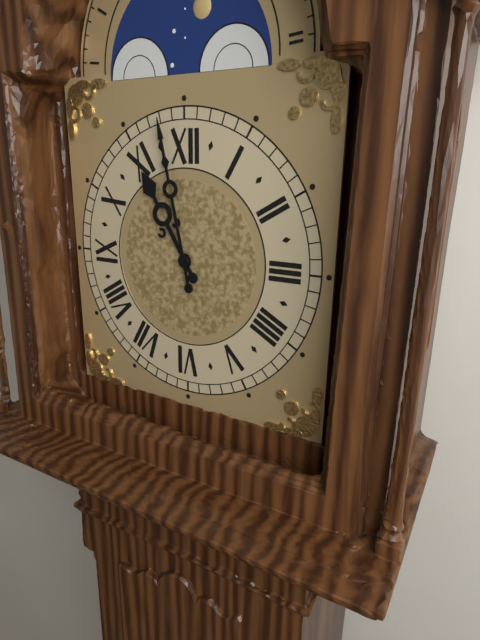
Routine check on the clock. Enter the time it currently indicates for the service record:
10:58
